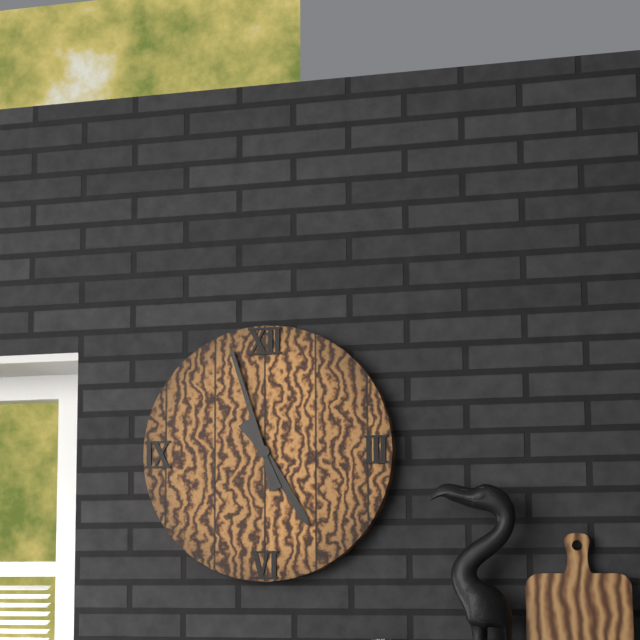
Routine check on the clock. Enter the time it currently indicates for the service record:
4:57
